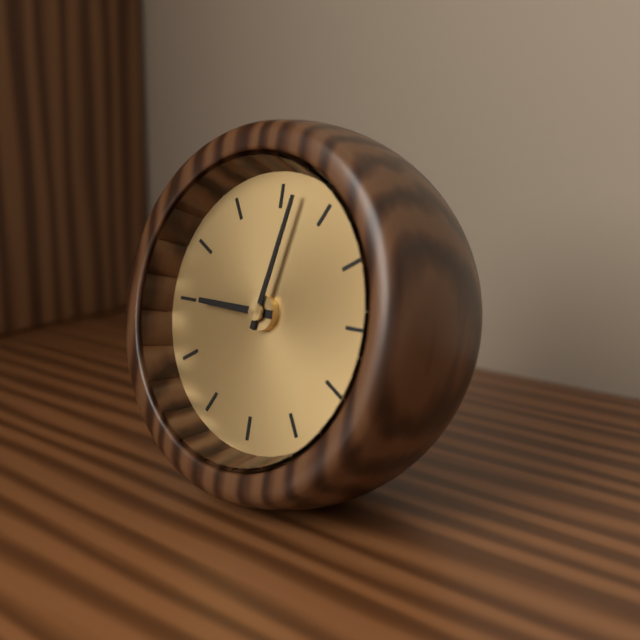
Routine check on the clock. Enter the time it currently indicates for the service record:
9:02
